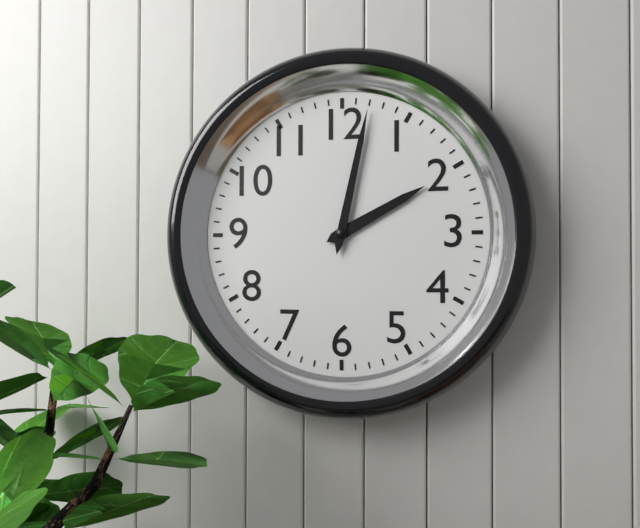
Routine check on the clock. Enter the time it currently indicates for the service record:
2:02
